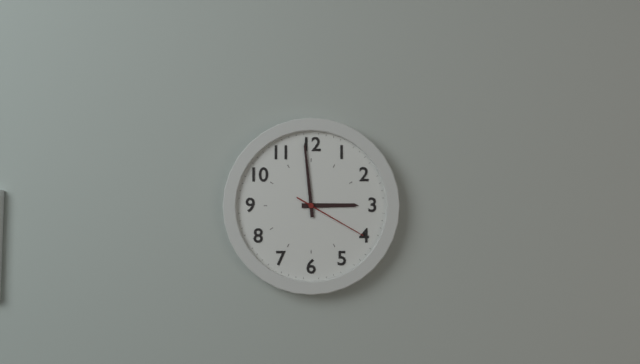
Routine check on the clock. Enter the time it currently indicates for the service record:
2:59:20
